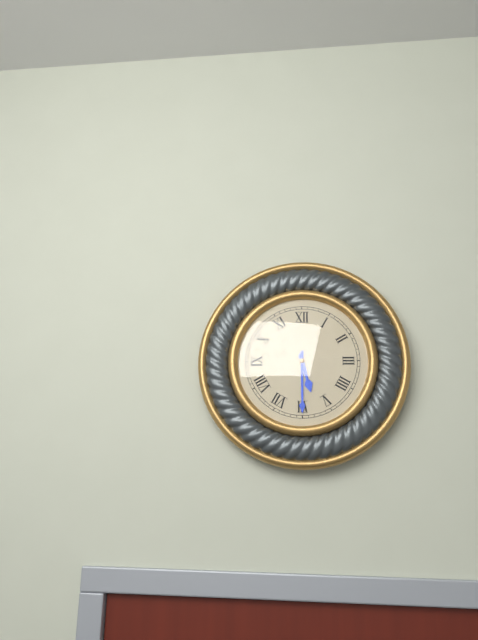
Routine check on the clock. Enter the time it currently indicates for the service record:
5:30
